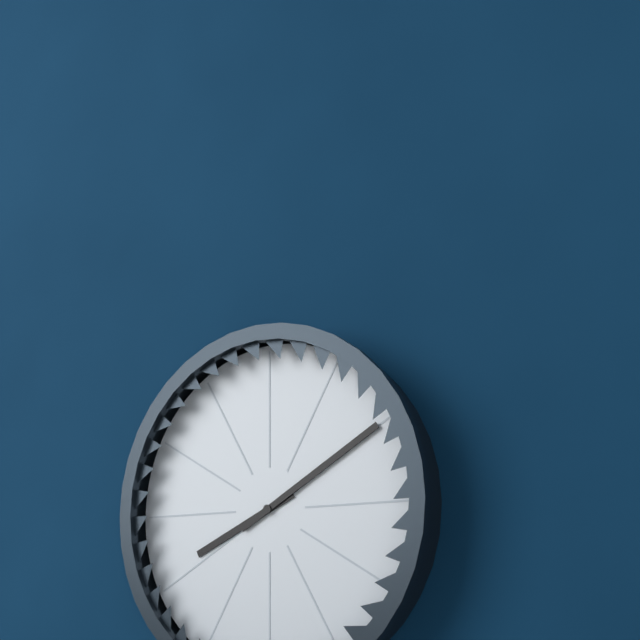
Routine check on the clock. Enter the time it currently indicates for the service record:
8:10
